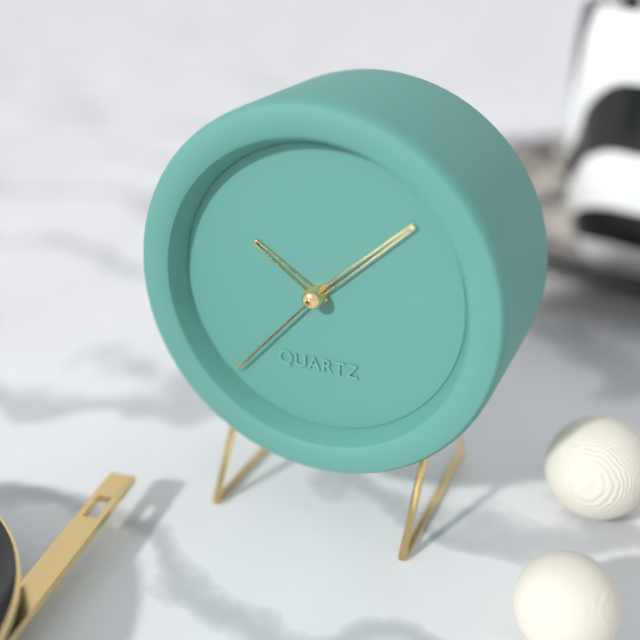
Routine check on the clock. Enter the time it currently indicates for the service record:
10:08:37
